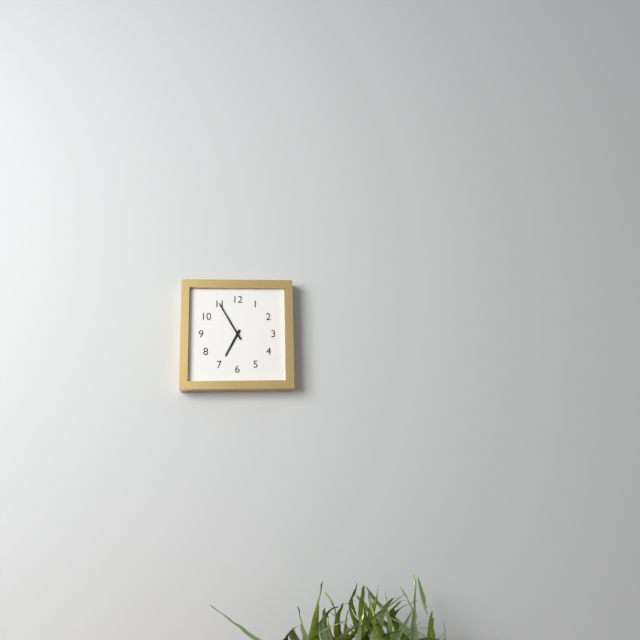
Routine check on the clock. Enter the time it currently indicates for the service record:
6:55
